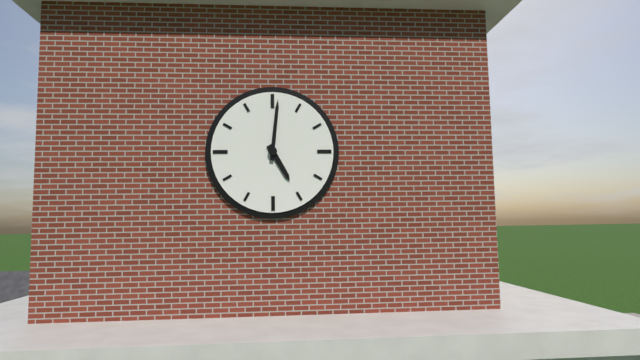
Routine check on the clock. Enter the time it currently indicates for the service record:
5:01
